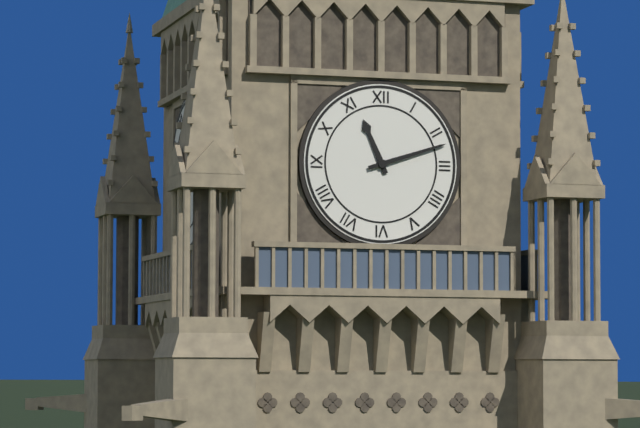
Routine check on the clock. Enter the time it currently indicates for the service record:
11:12
